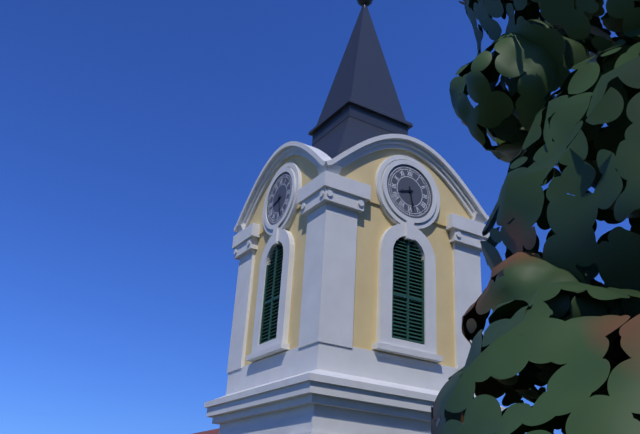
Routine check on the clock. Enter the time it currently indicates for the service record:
8:28
